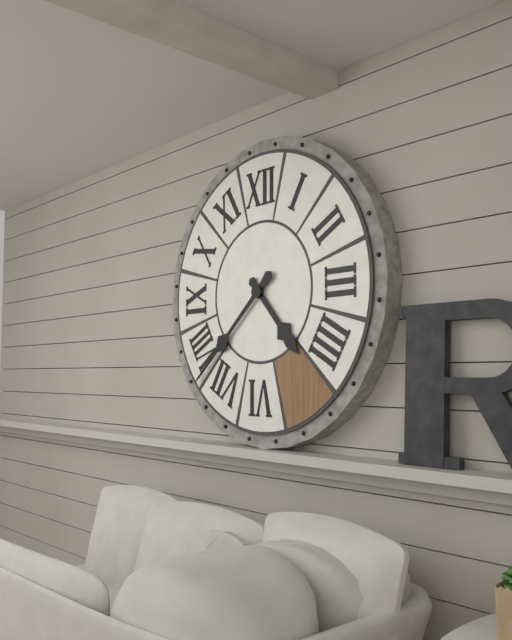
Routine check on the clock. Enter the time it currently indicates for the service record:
4:38
